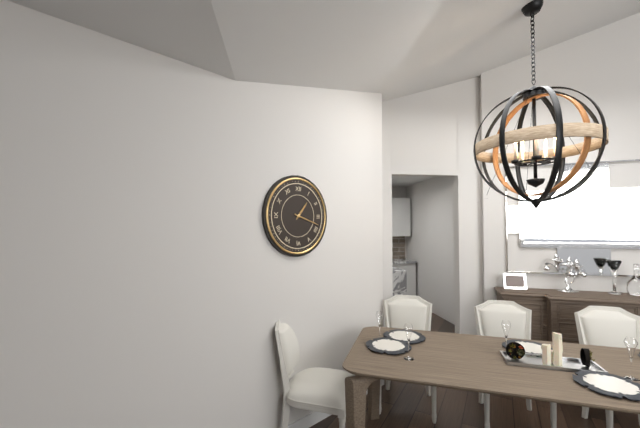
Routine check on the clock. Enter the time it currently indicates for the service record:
1:18
